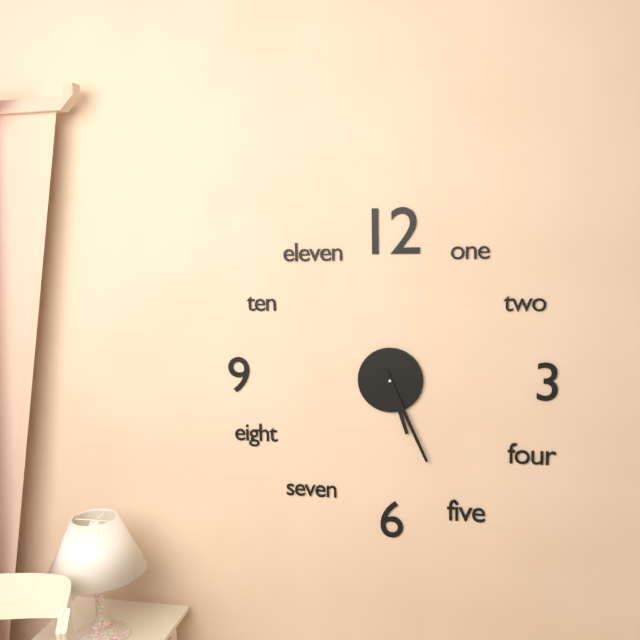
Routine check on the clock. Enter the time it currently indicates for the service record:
5:26
